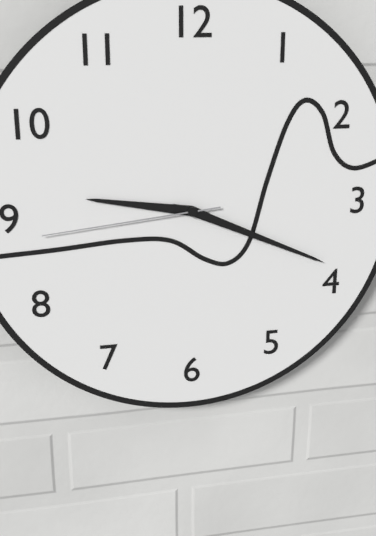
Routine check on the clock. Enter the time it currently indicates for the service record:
9:19:44
